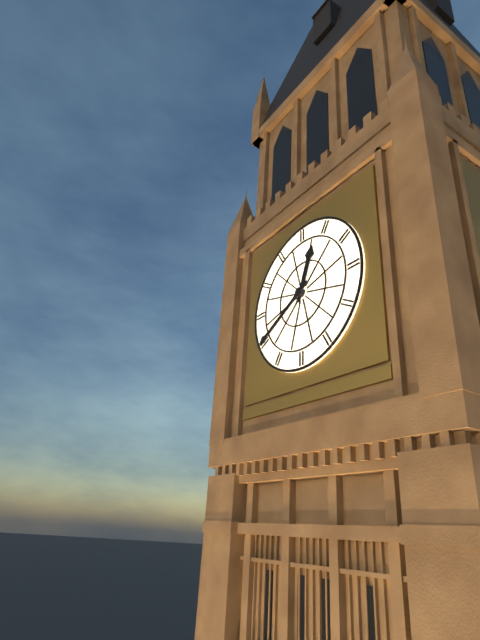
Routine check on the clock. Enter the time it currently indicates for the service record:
12:40
